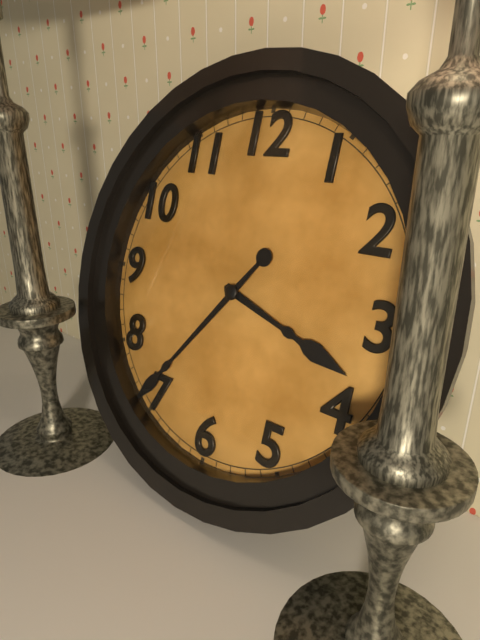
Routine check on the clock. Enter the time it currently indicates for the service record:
3:36
